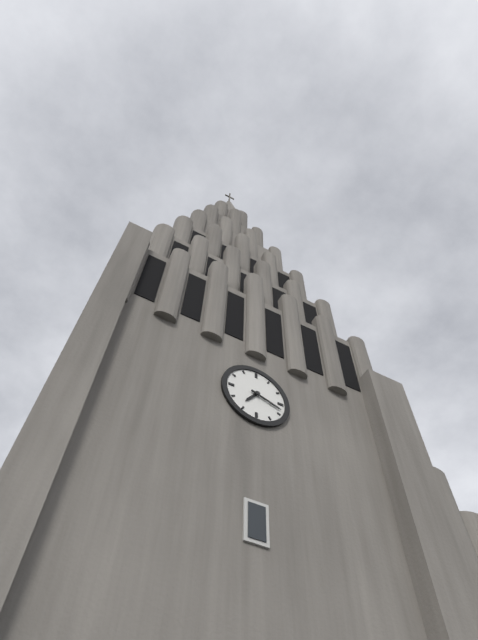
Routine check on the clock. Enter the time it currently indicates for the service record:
7:18
